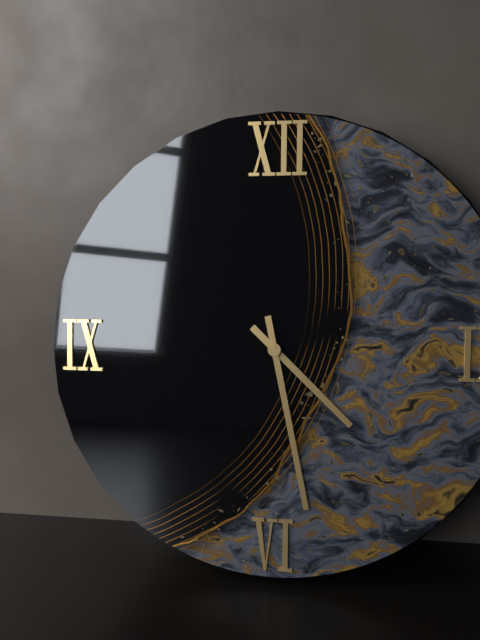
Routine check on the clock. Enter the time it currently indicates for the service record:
4:28
